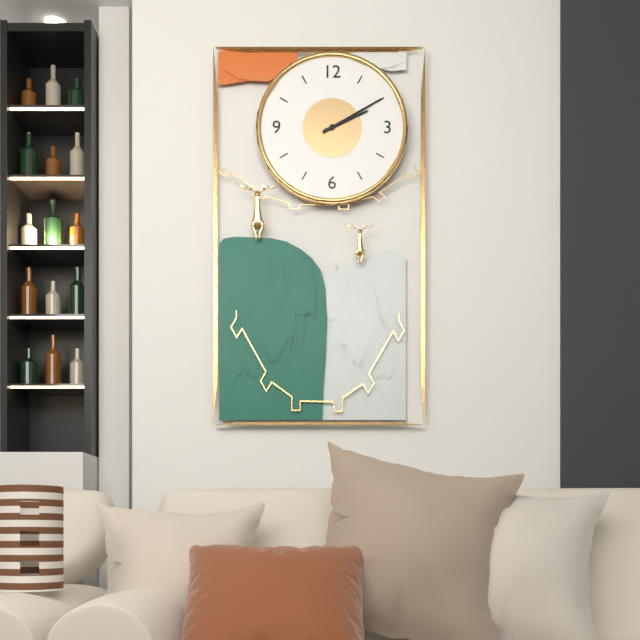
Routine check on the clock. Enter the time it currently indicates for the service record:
2:10
